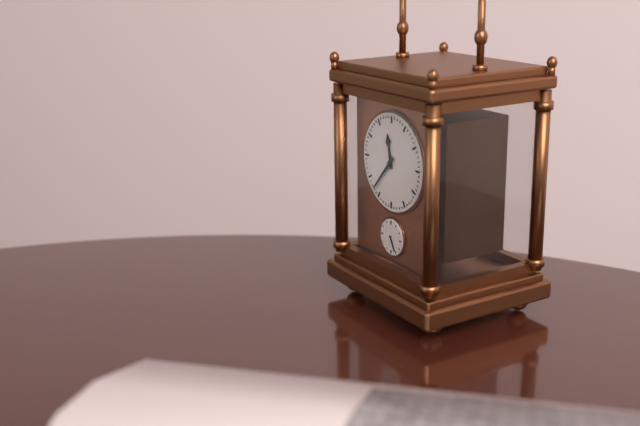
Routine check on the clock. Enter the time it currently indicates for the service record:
11:37
